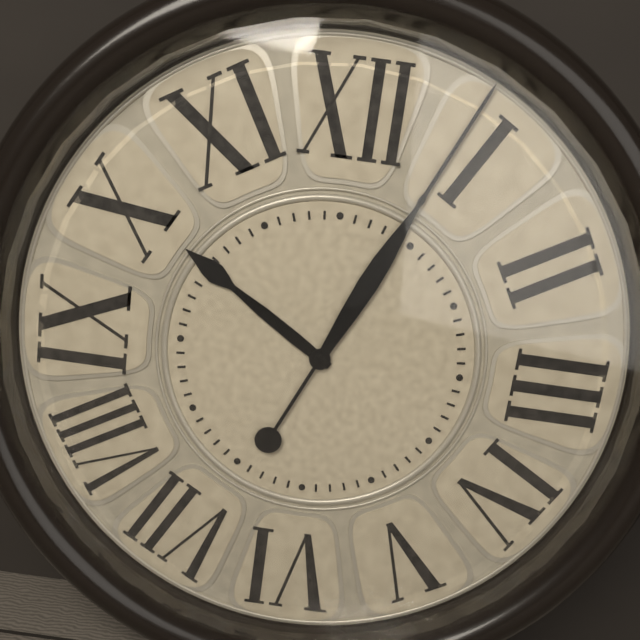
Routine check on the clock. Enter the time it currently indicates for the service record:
10:04
